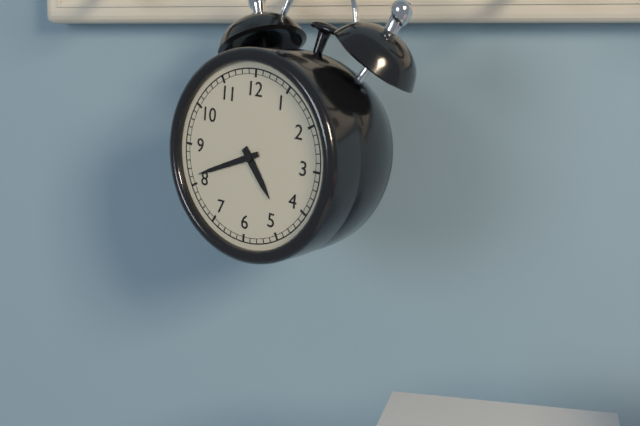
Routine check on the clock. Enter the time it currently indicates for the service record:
4:41
